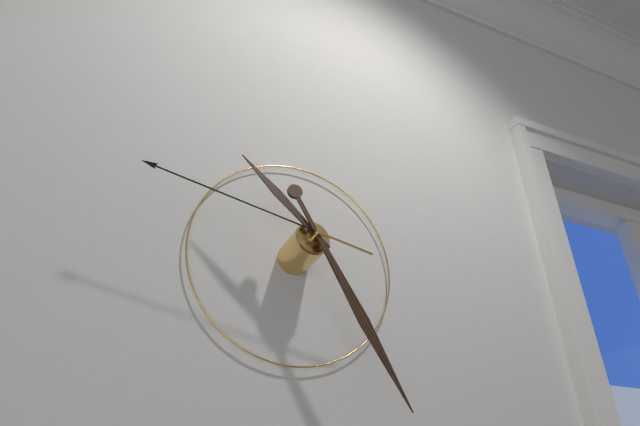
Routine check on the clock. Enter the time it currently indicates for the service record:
10:25:47
